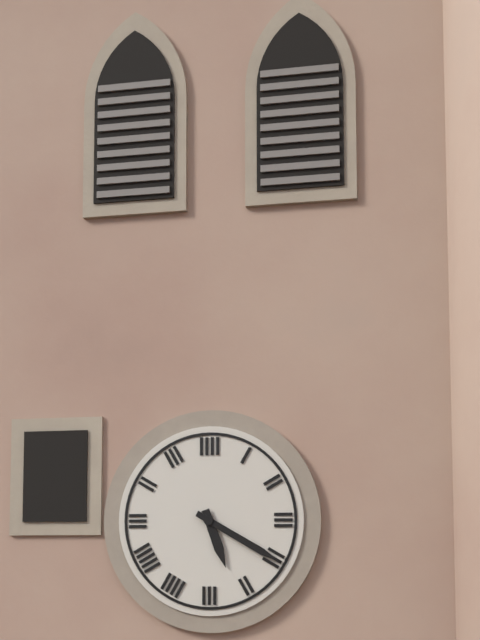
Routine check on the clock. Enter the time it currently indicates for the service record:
5:20
